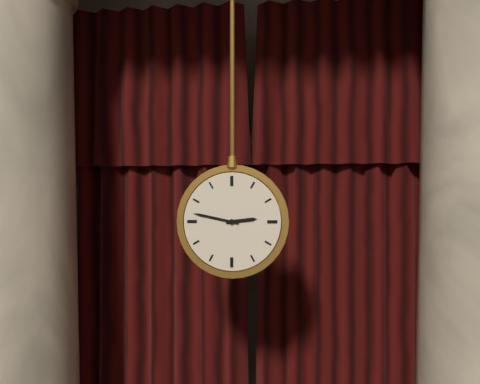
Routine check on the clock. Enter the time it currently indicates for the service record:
2:47
